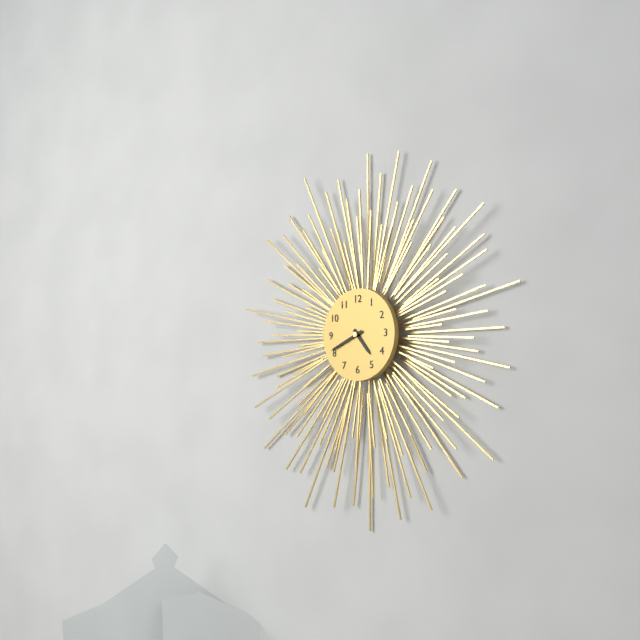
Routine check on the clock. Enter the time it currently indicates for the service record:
4:41
